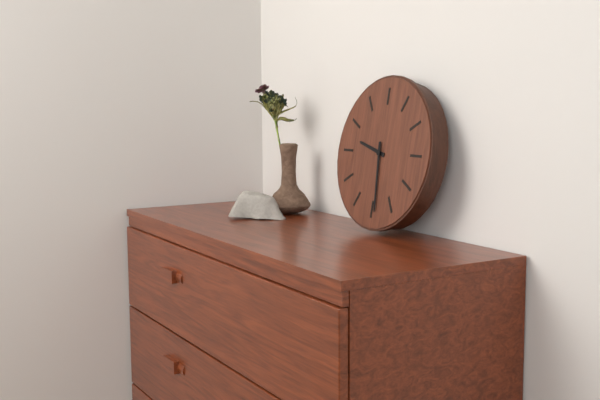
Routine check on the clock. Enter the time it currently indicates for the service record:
9:29
